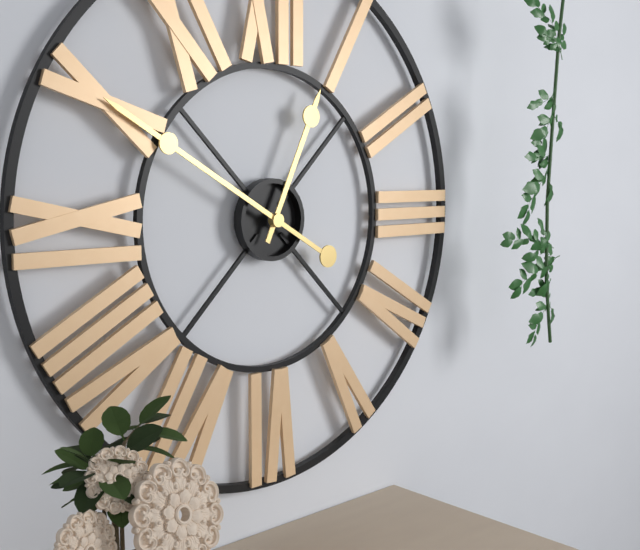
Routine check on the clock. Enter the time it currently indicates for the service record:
12:50
